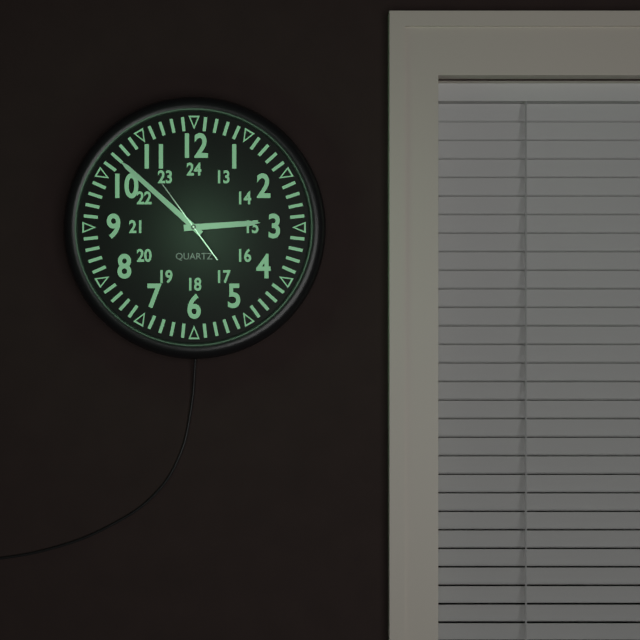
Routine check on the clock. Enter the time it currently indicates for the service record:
2:52:54
